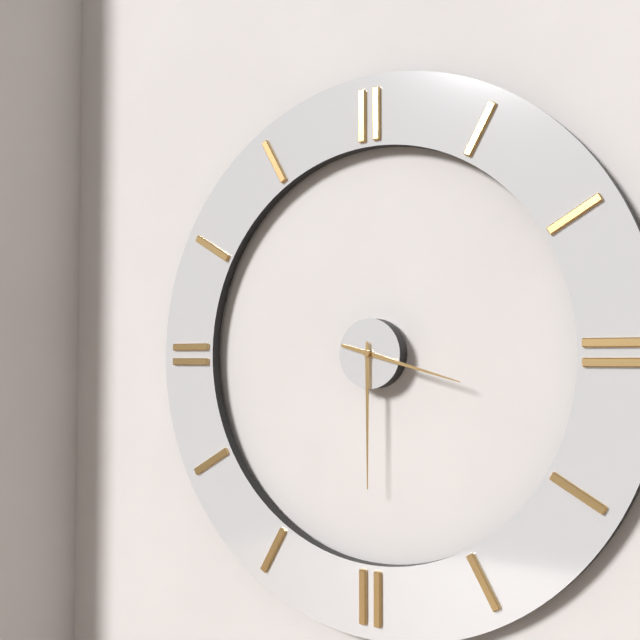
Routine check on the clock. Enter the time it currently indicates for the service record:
3:30
